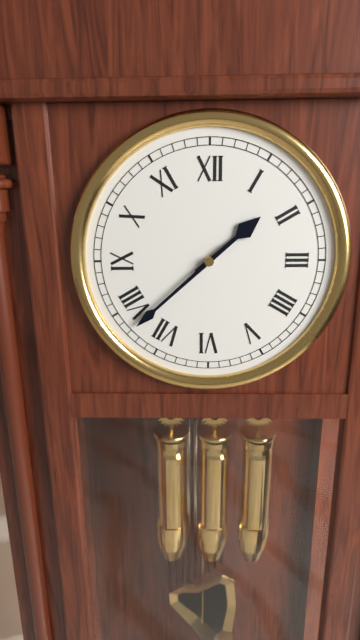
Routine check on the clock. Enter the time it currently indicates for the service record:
1:38
